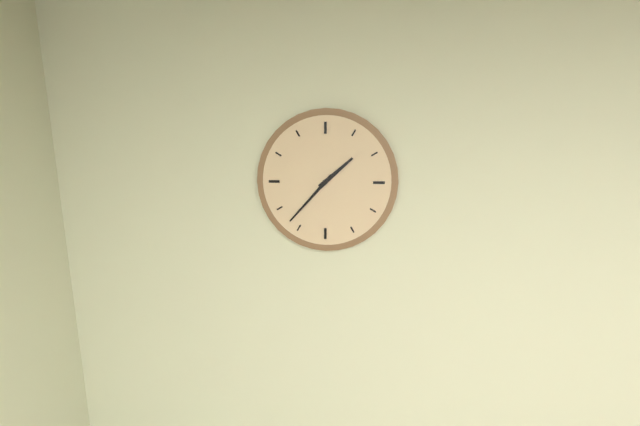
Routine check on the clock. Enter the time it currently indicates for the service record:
1:37
